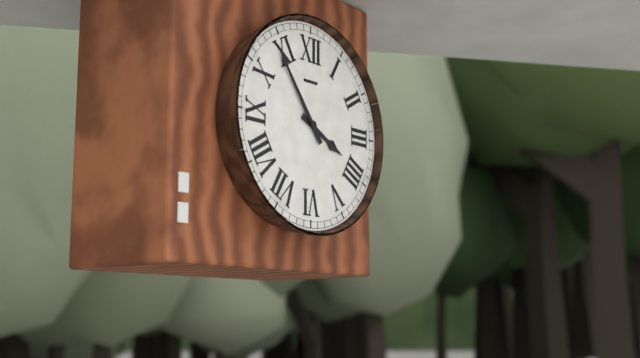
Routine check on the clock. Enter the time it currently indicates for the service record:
3:54
